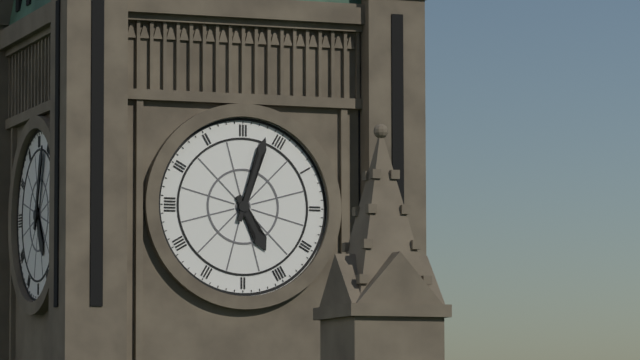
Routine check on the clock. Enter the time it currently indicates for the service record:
5:03
